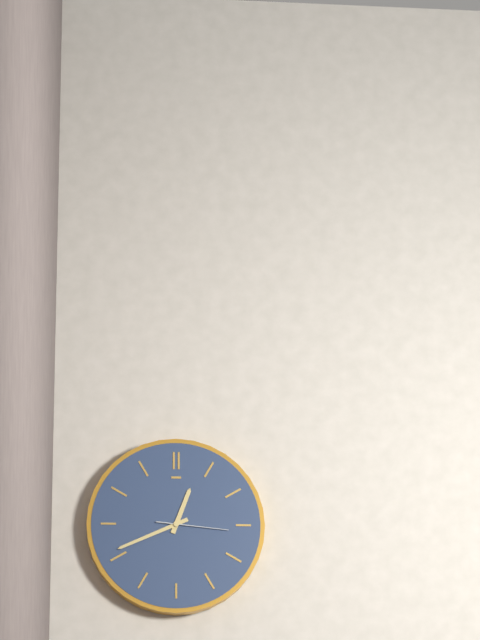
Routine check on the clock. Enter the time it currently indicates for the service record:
12:41:16
